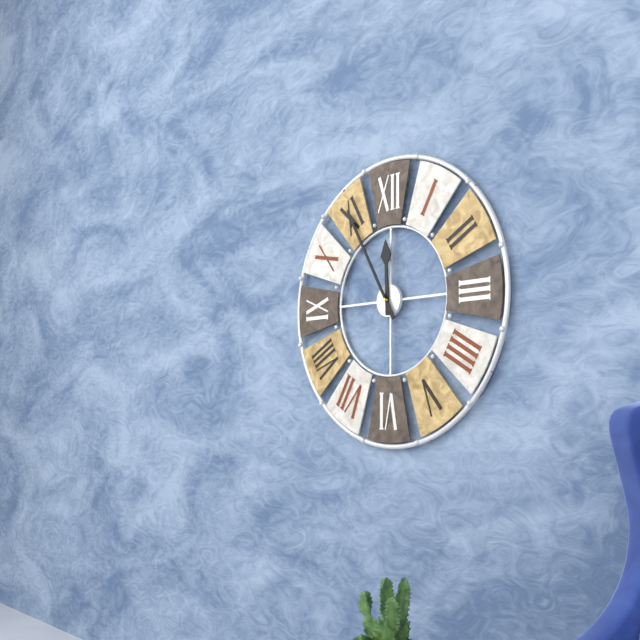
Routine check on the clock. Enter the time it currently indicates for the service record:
11:55
